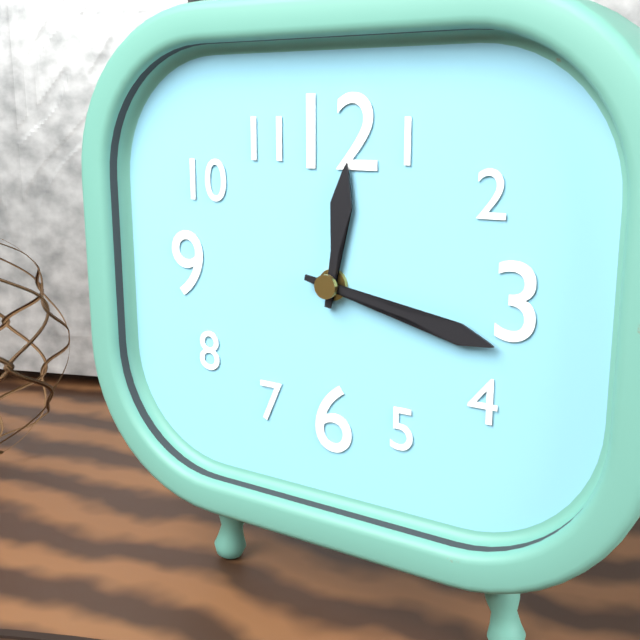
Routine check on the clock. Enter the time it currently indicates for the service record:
12:17
